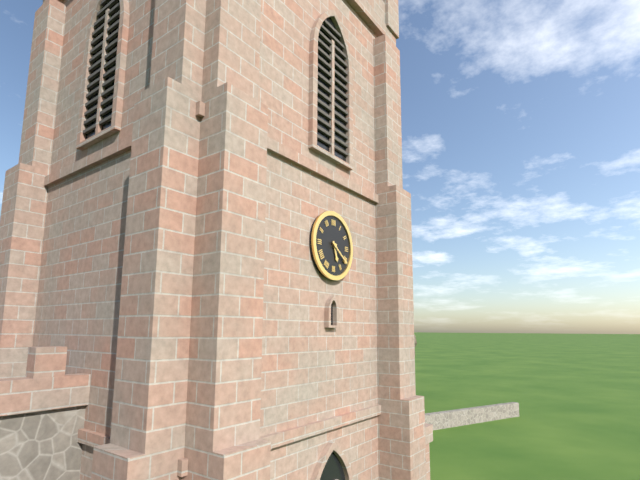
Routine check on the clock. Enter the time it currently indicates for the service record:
5:21
